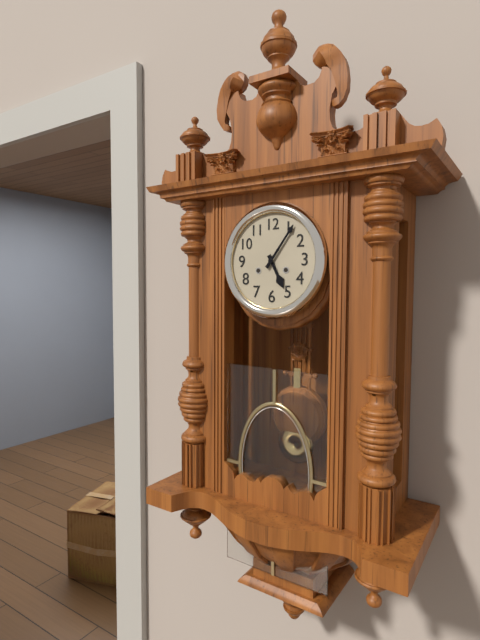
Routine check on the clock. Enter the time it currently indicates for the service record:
5:06
